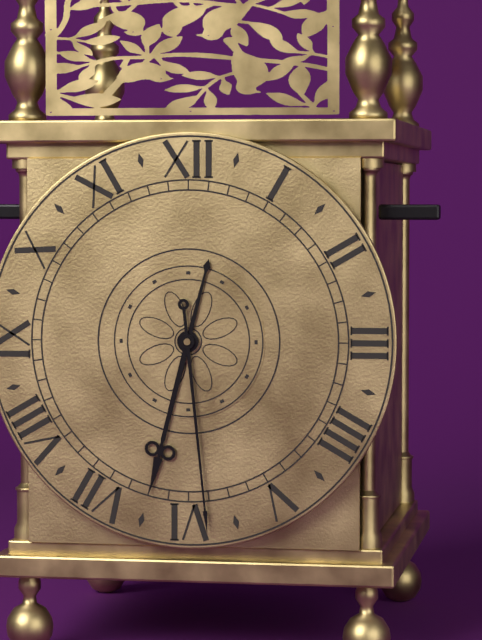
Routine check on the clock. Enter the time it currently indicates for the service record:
6:29
